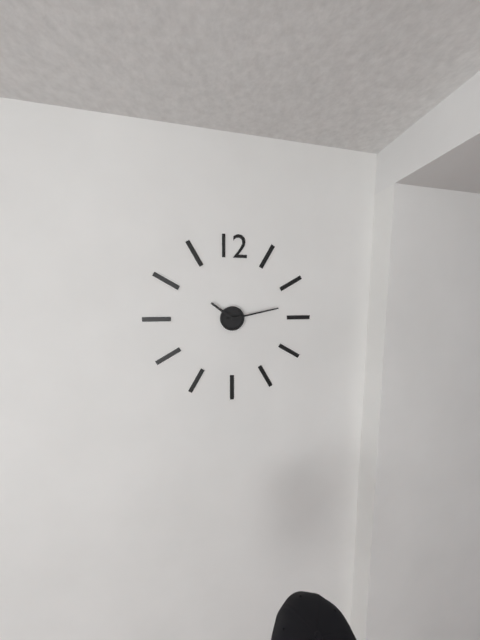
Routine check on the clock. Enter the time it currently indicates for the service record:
10:13
